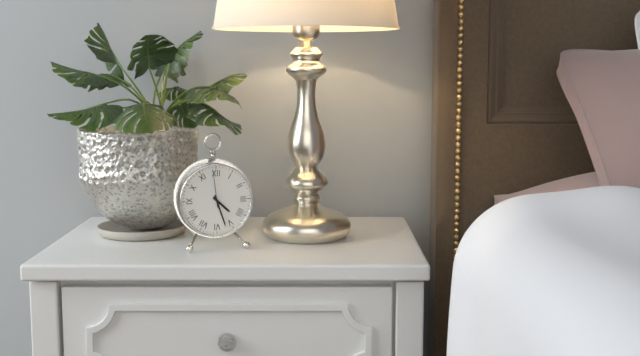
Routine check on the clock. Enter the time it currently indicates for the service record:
4:27
